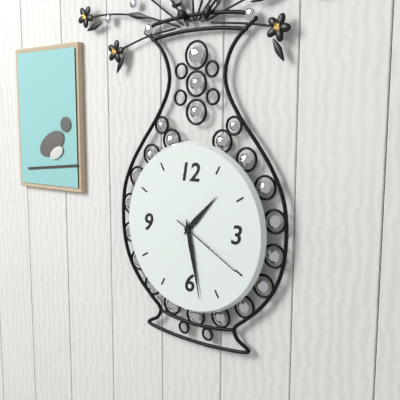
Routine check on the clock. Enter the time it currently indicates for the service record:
1:28:20
